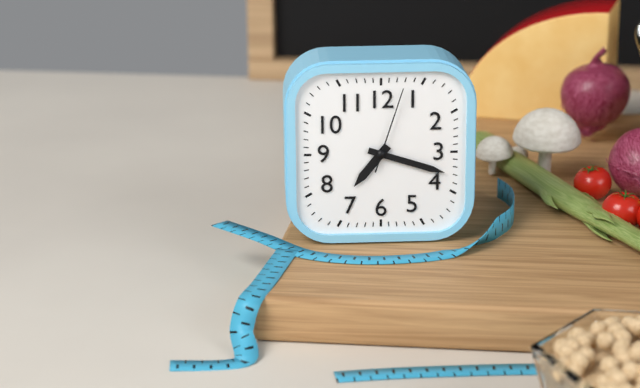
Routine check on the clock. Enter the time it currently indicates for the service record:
7:18:03
